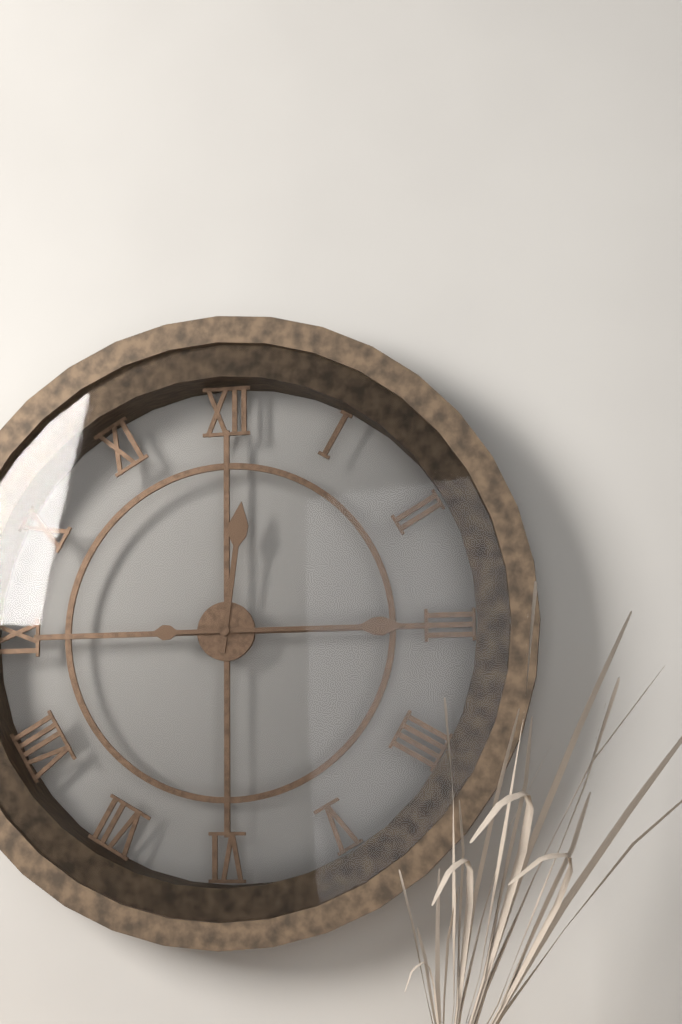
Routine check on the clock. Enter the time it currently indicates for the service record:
12:15
